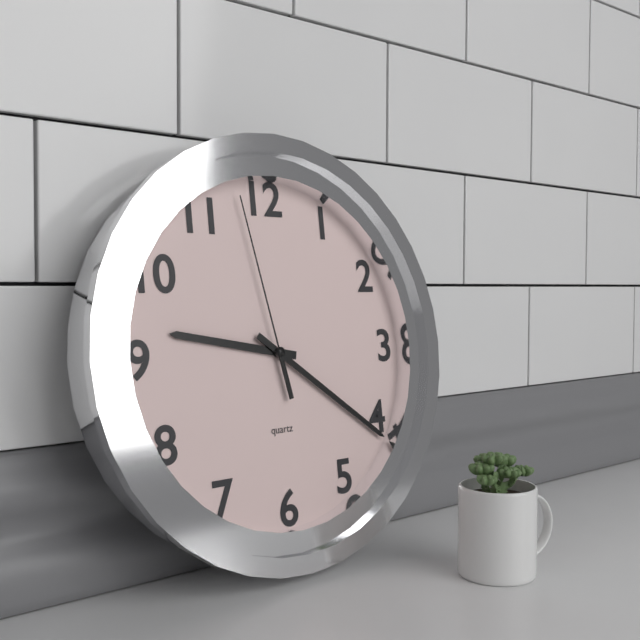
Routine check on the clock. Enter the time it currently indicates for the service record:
9:21:58
